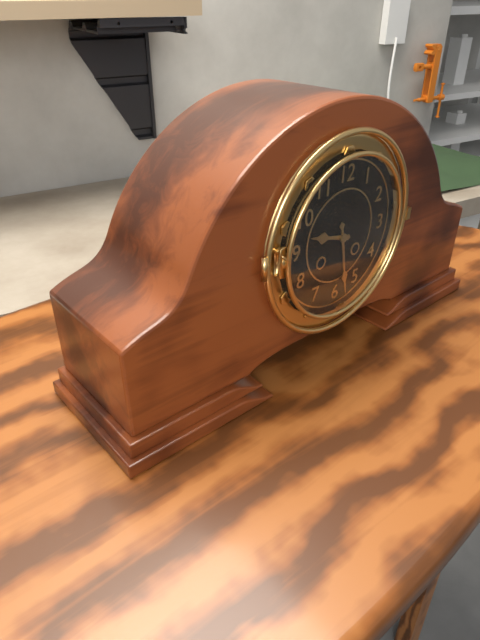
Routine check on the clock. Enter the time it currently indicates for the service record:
9:28
